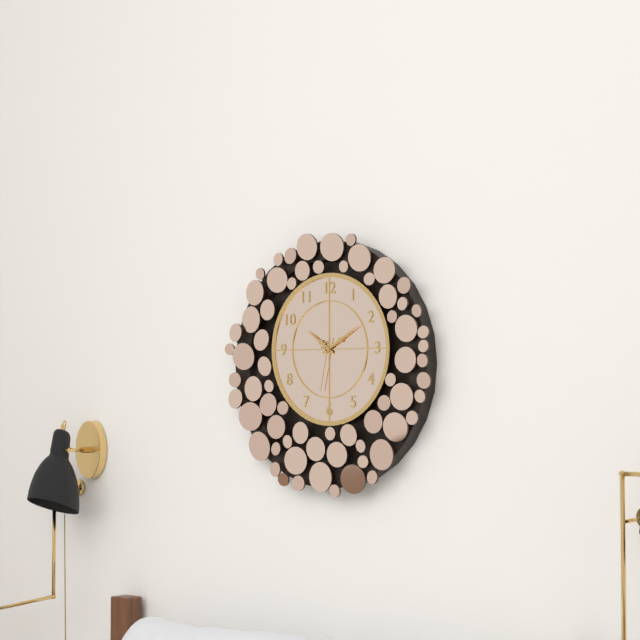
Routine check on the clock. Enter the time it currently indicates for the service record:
10:10:32
